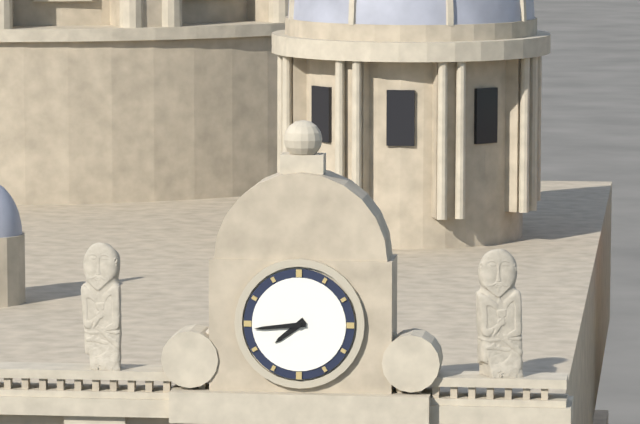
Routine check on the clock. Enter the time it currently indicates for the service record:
7:44
